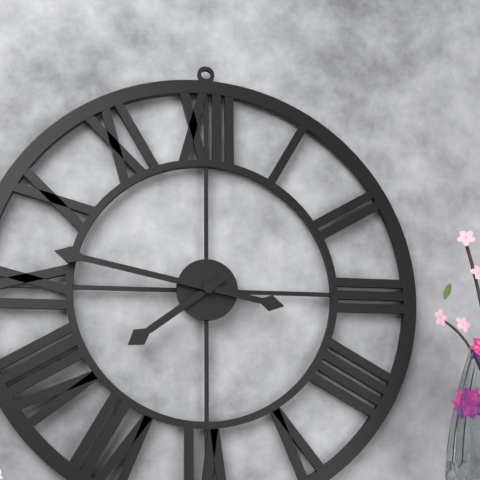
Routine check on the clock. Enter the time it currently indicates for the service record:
7:47
